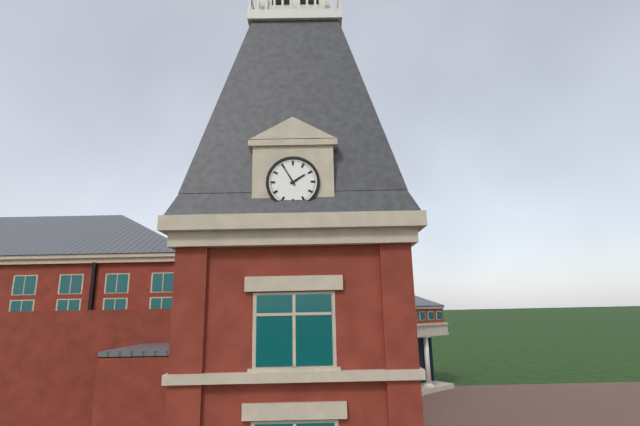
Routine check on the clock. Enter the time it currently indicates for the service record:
1:55
